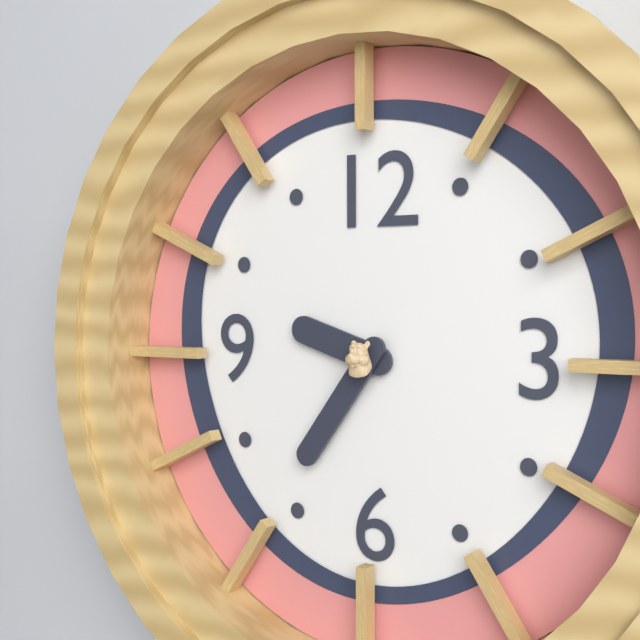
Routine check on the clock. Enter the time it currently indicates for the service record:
9:36
